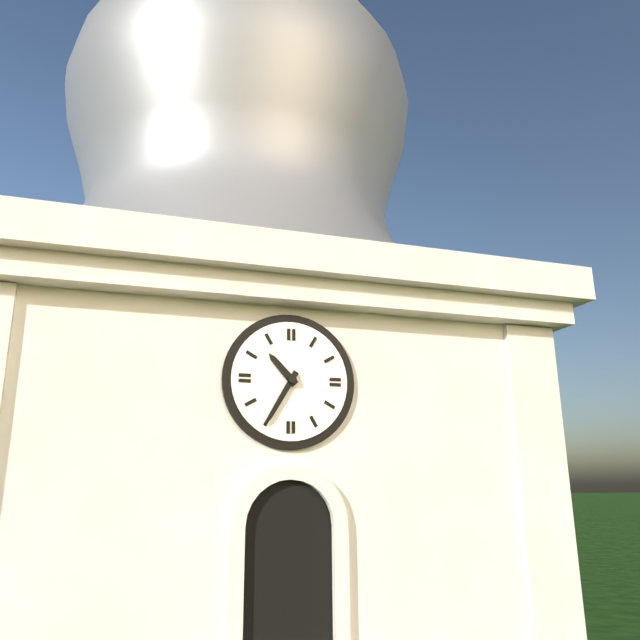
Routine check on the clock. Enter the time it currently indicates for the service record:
10:35
